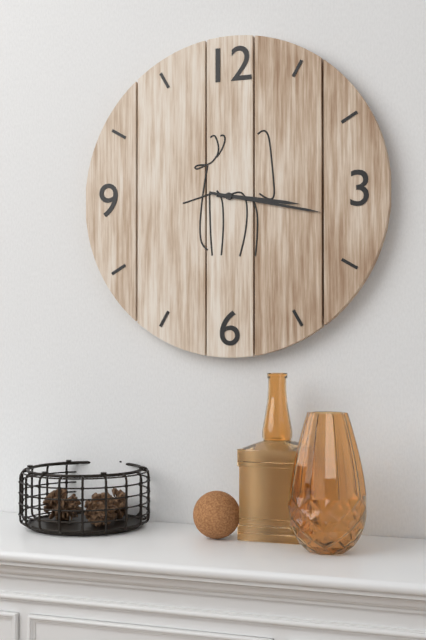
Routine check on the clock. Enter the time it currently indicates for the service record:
3:17
